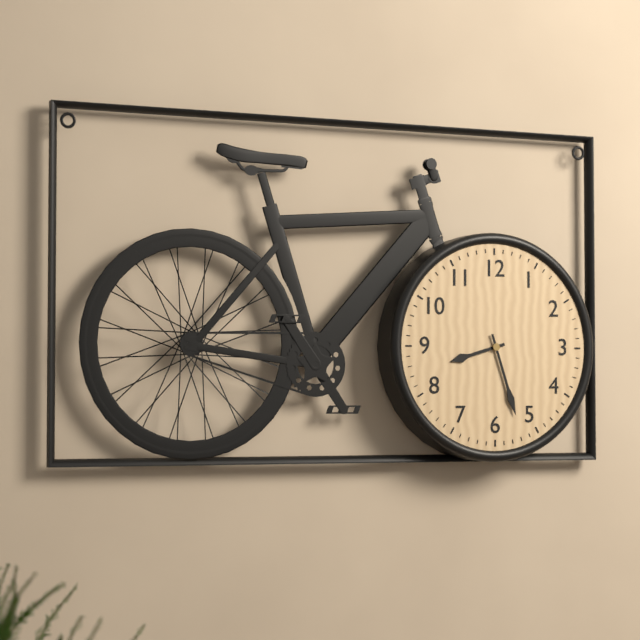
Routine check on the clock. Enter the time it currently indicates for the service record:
8:27
